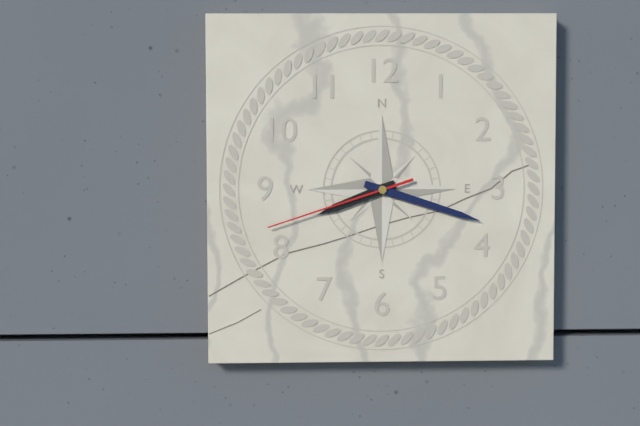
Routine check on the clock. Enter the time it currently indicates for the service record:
8:18:42
